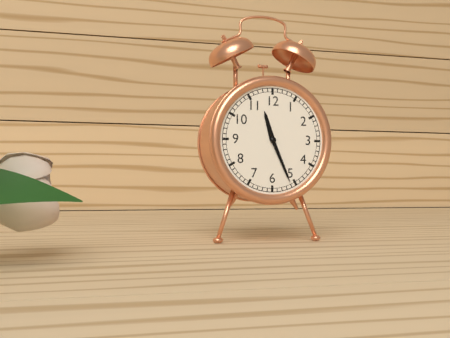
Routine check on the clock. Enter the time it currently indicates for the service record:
11:26
